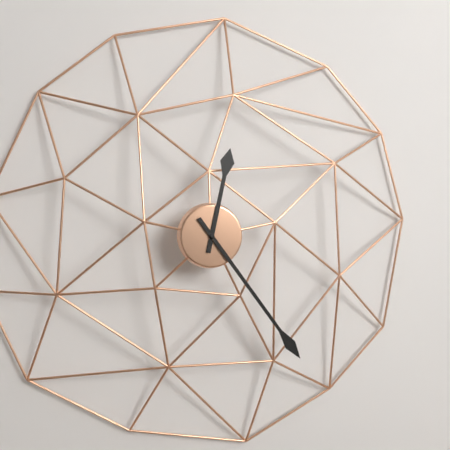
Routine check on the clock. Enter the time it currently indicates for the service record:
12:24
